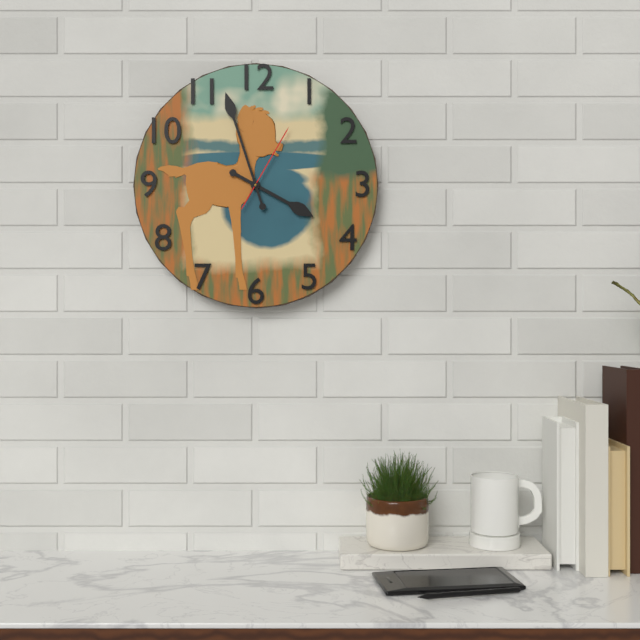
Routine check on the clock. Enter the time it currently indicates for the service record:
3:57:05
